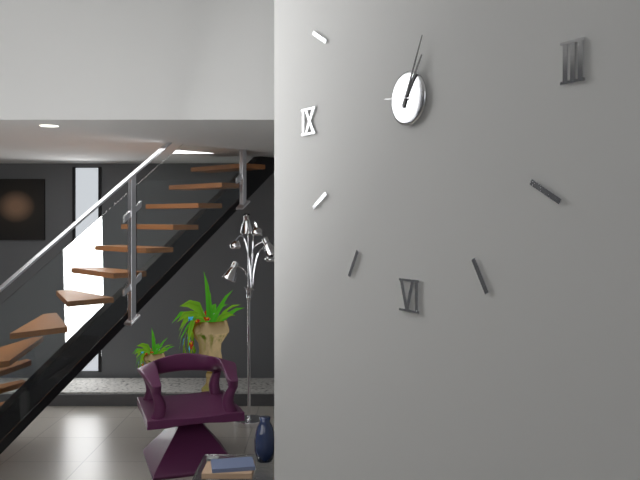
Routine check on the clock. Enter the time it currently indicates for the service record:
1:04
